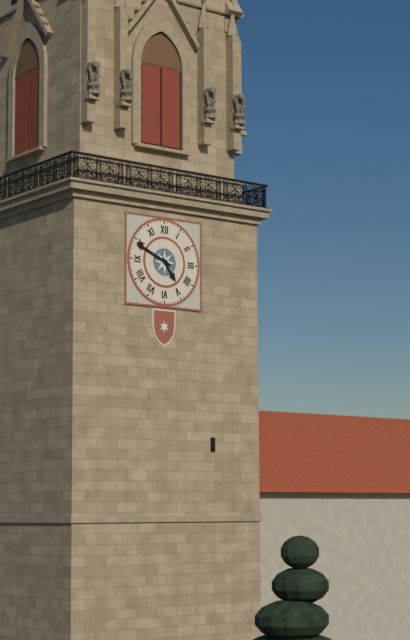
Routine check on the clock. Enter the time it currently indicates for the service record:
4:49
